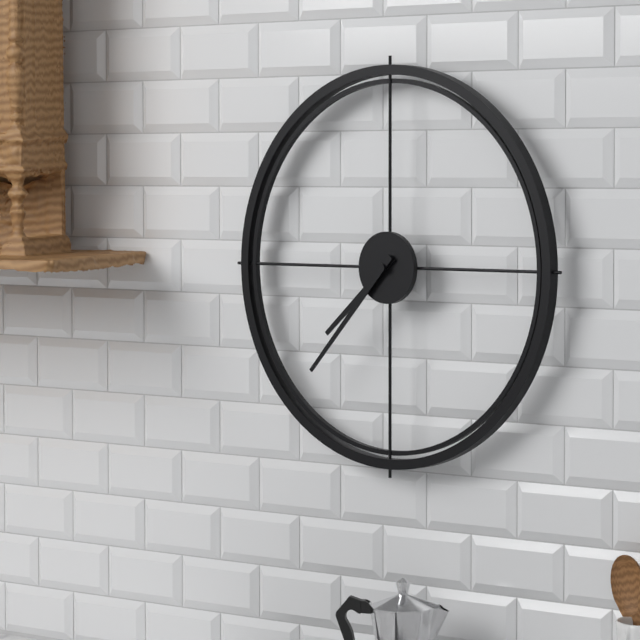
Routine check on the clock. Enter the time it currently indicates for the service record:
7:37
